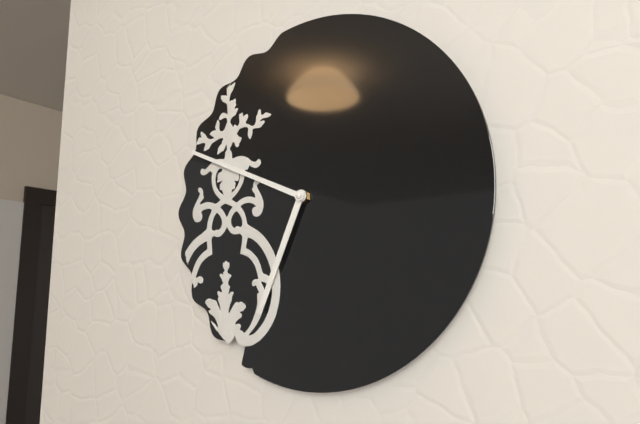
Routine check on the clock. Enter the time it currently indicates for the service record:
6:49
